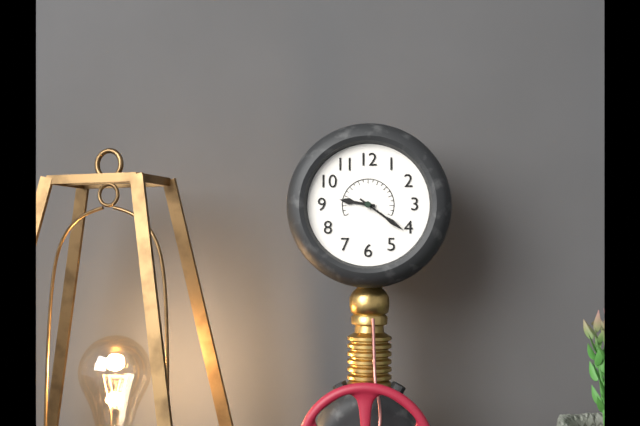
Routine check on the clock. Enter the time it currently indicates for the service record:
9:21
